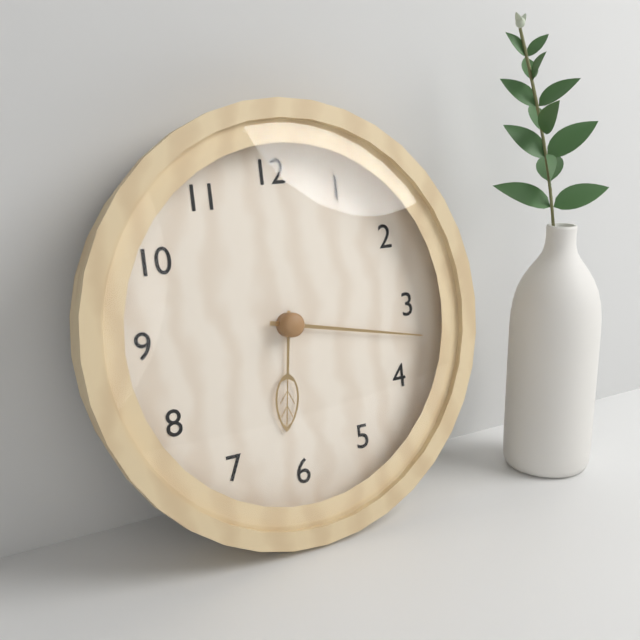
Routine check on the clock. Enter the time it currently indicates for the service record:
6:17
